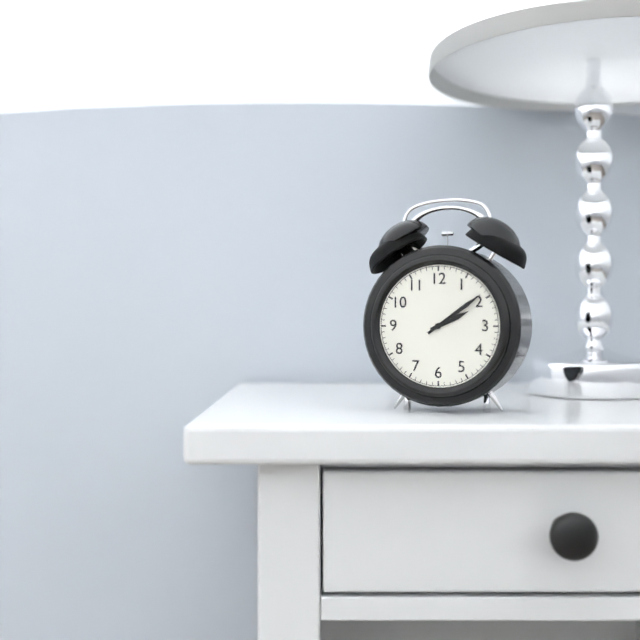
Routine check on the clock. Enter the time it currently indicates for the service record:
2:09
